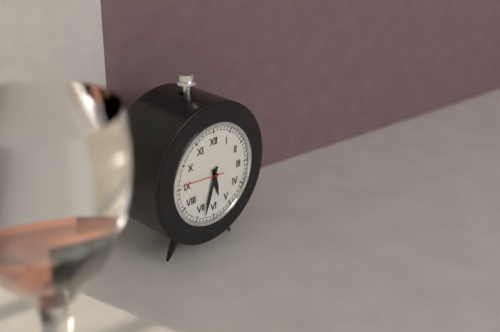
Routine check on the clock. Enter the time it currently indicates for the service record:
5:33
